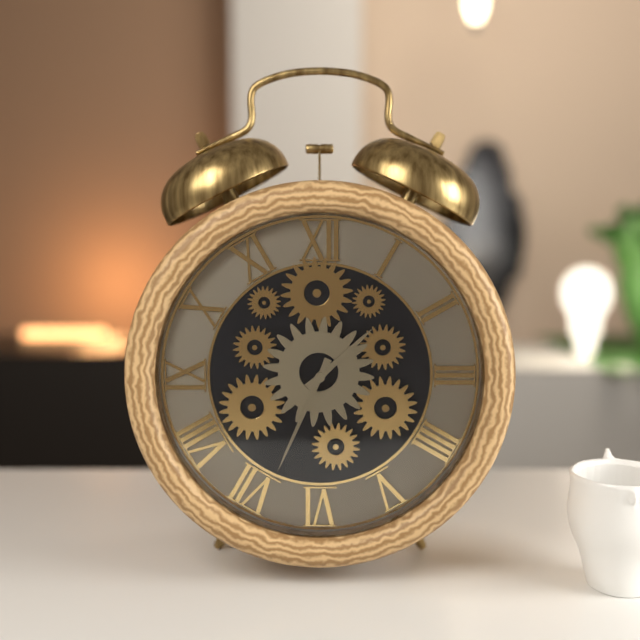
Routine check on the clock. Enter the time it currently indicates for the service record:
1:34
